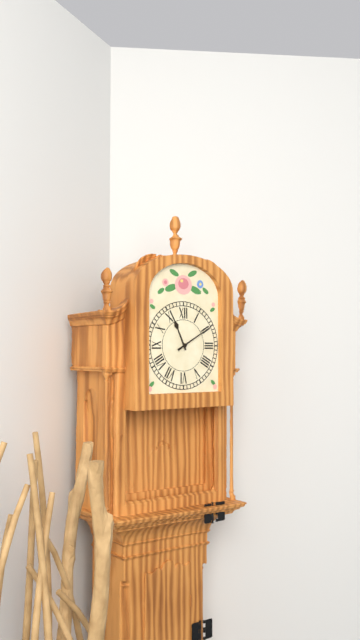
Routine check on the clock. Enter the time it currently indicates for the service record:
11:10
